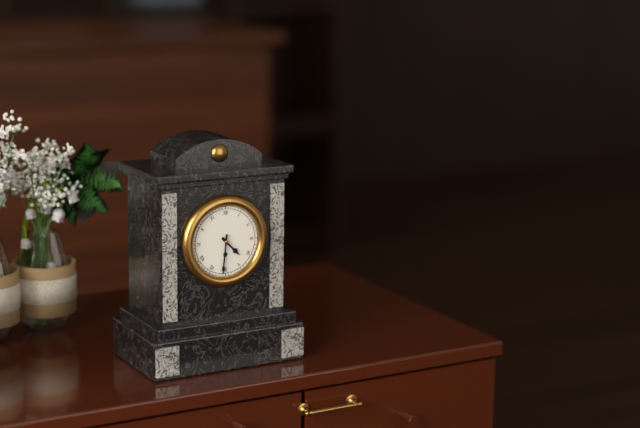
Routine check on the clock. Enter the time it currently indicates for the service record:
4:31
